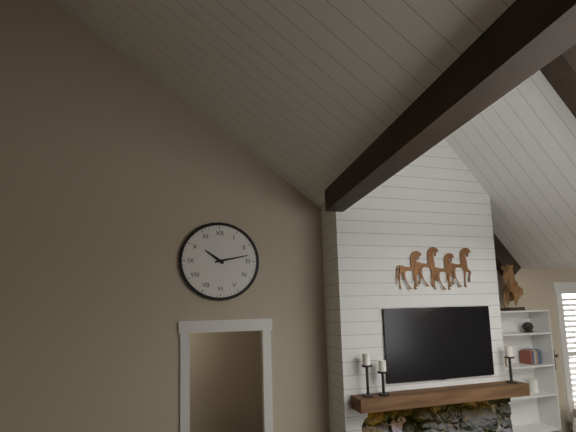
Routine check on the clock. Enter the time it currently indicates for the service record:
10:13
